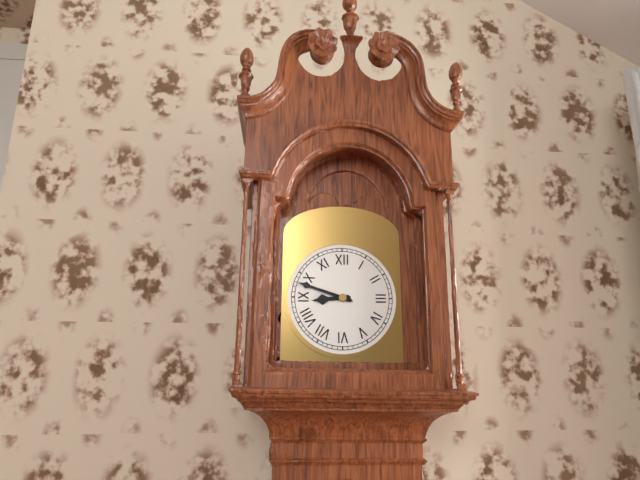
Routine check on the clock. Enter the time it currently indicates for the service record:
8:48
